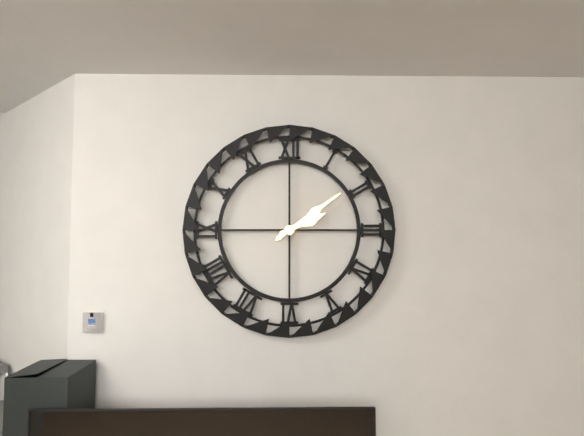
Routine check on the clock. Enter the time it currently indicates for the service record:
2:09
